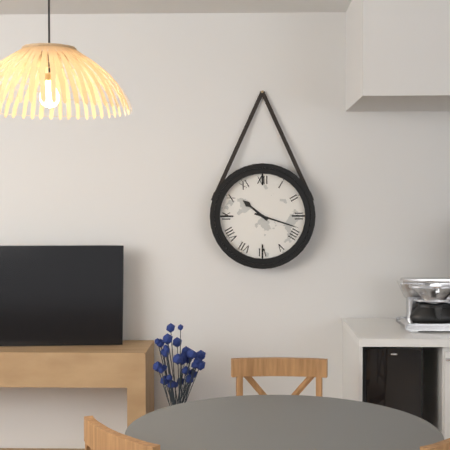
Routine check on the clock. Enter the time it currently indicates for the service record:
10:18
